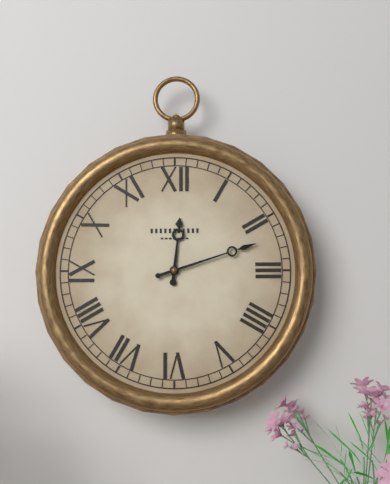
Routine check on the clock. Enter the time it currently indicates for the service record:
12:12
